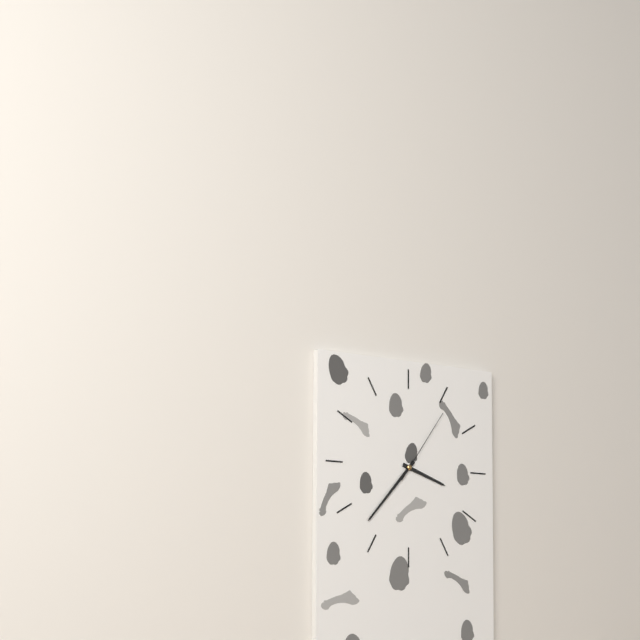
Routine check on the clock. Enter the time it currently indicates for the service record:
3:37:06
